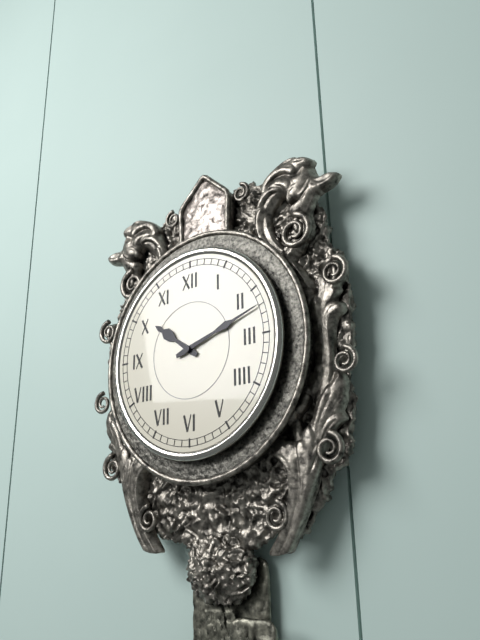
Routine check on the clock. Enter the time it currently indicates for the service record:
10:12
